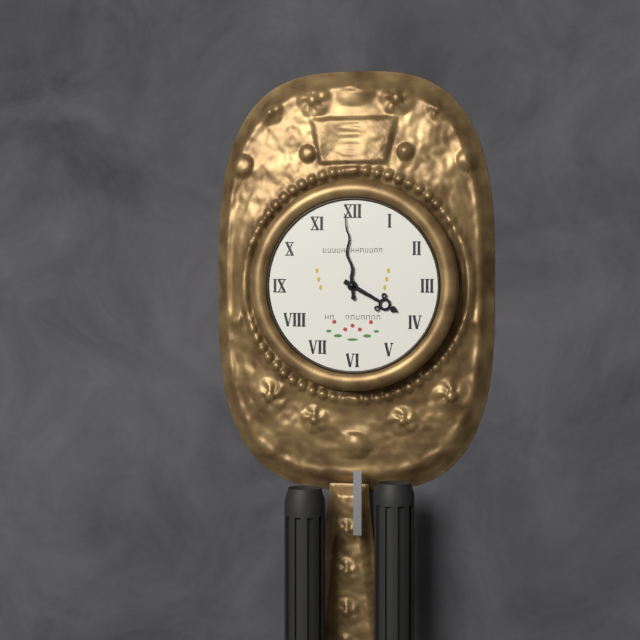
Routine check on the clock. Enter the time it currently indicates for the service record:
3:59
